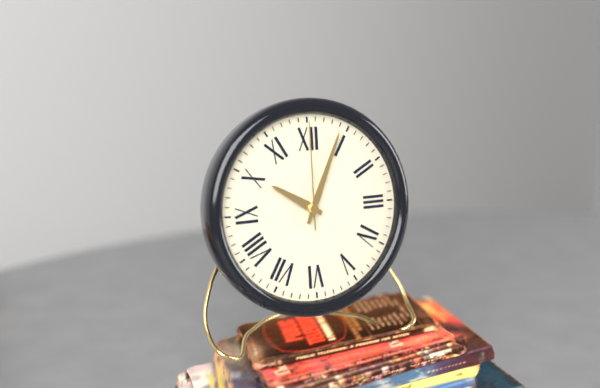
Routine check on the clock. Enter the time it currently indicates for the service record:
10:04:00
